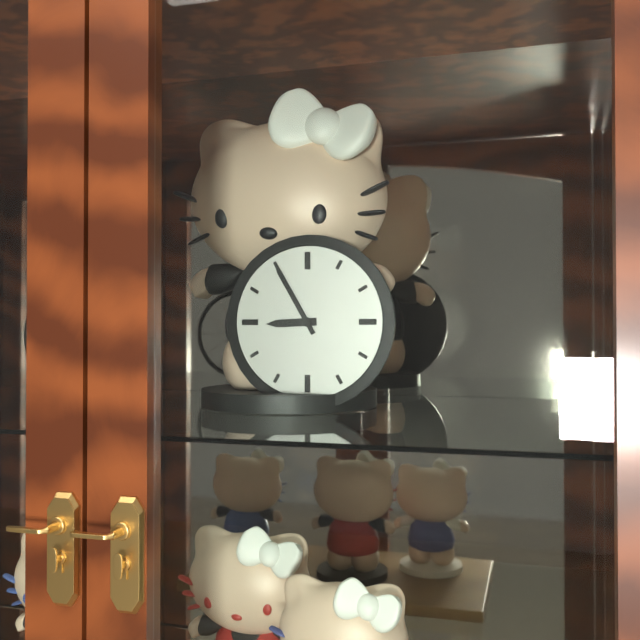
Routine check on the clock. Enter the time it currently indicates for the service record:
8:55
